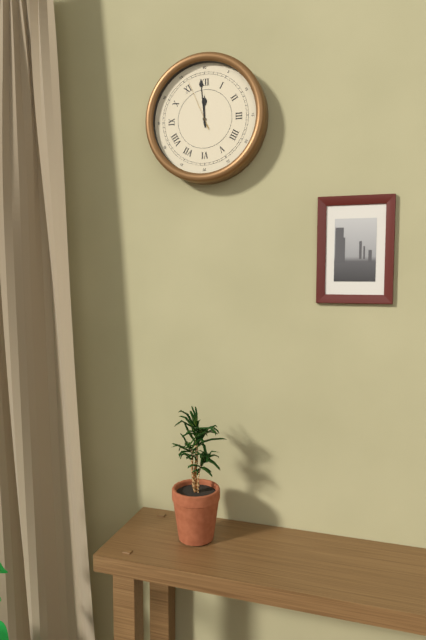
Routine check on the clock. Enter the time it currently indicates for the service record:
11:59:56
